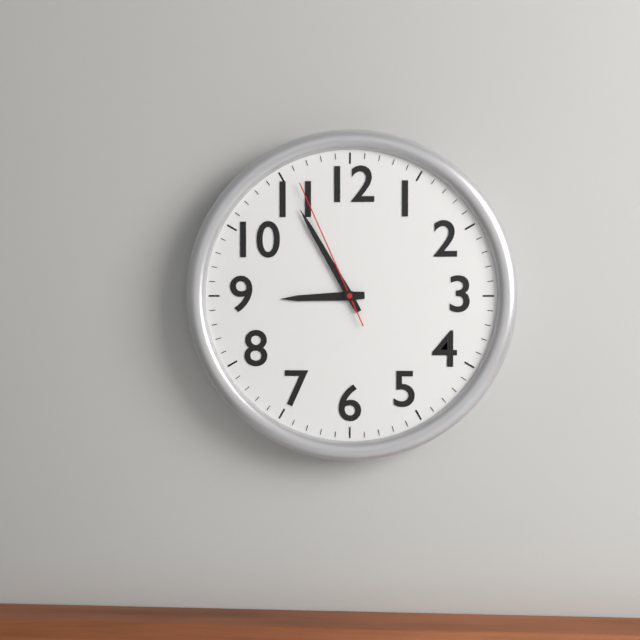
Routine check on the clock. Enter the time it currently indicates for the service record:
8:55:56
